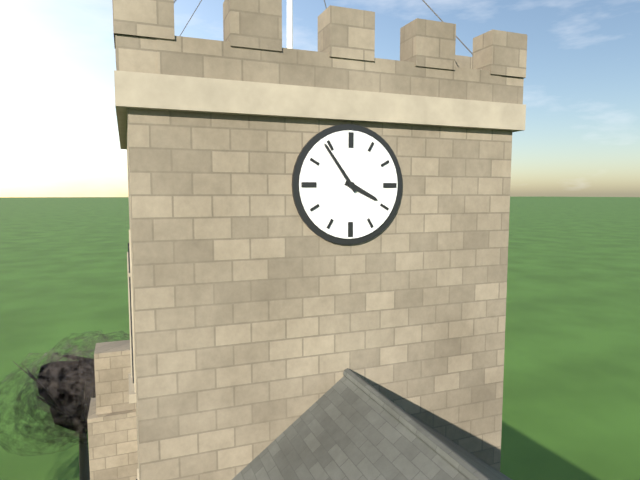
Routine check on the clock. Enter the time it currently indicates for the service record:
3:54
